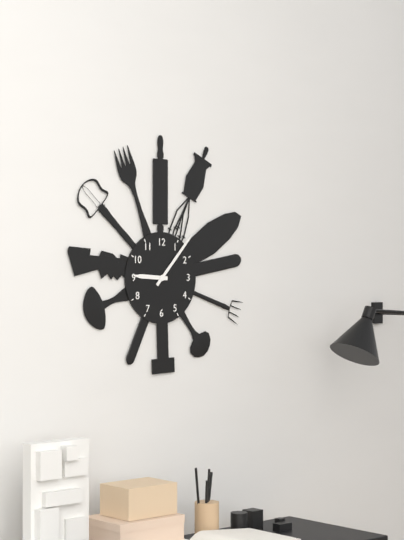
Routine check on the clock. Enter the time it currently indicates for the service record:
9:07
